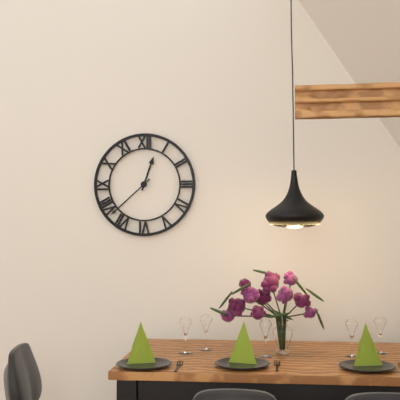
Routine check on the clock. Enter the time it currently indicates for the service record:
12:38
